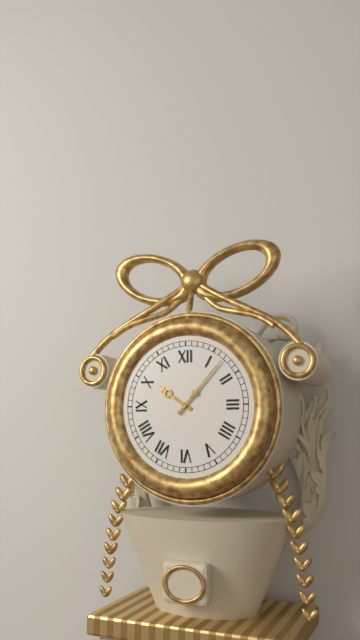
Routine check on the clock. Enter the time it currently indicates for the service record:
10:07
